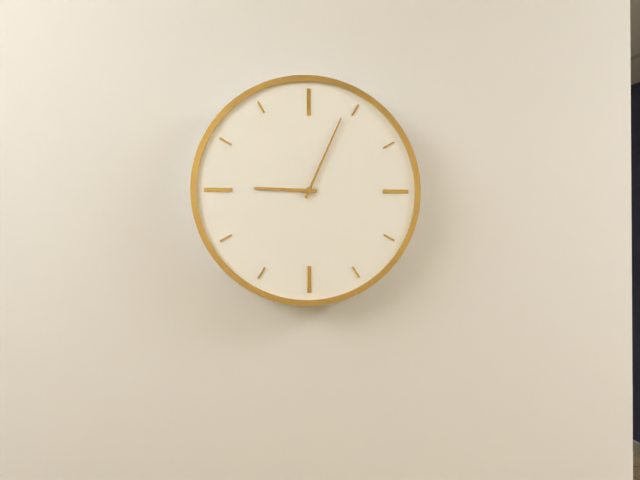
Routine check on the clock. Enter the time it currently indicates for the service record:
9:04
